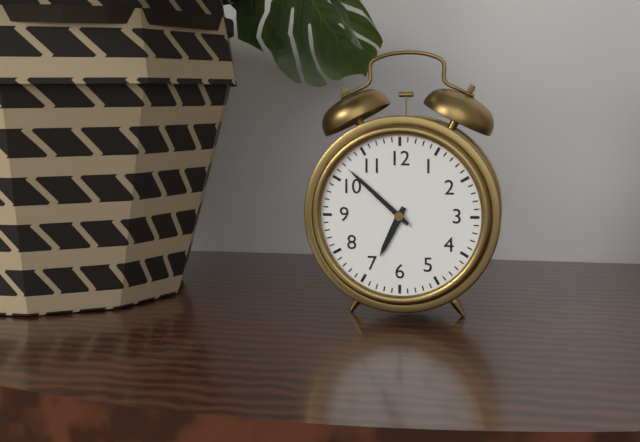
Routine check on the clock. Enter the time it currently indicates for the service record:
6:52
